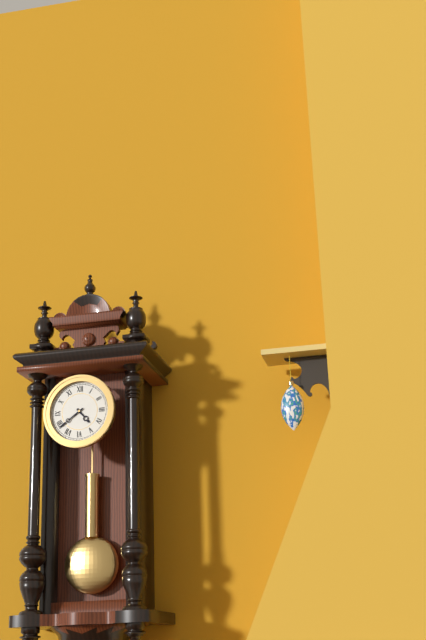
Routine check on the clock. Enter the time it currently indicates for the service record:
4:39
